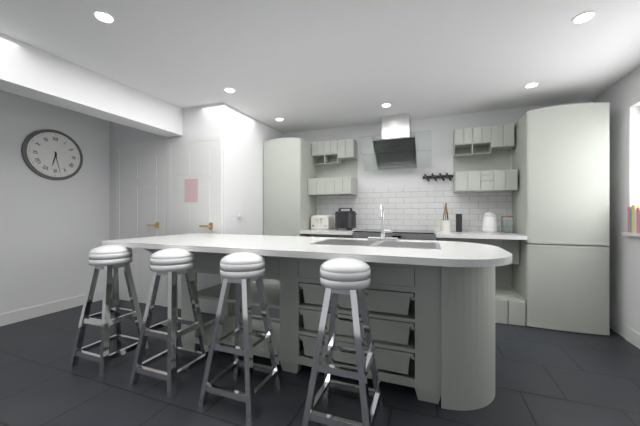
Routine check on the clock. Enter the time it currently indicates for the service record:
6:28
